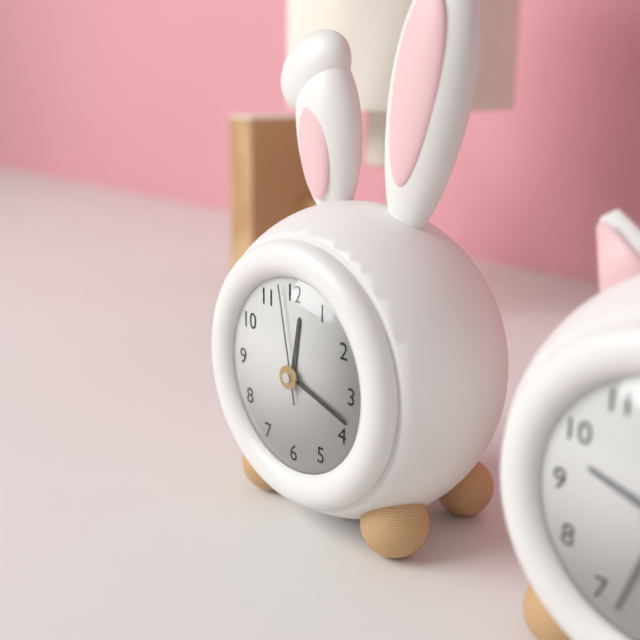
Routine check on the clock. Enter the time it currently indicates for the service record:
12:18:58
